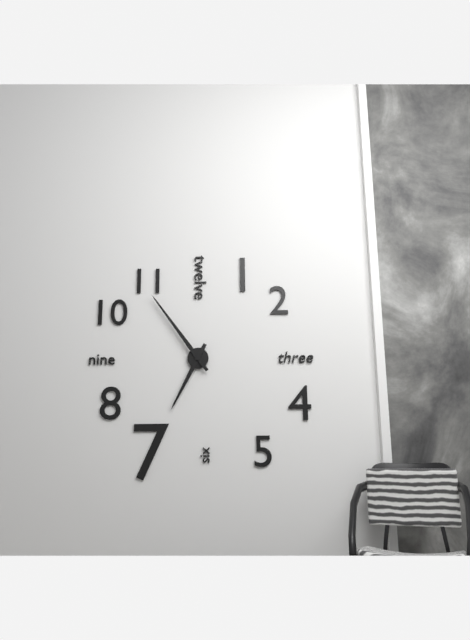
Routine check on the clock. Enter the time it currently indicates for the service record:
6:54
